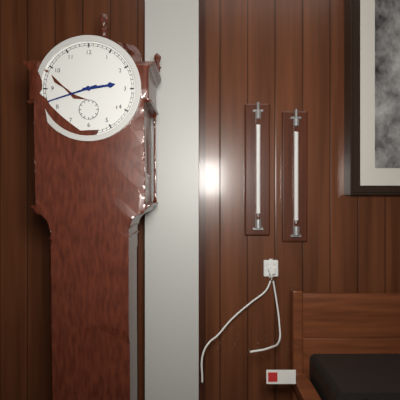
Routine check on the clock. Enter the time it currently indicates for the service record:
2:42
